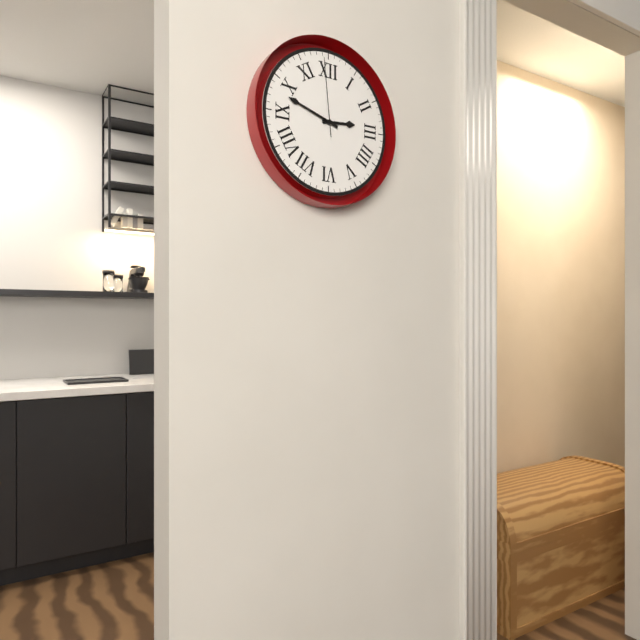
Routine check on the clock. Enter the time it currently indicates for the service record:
2:48:59
